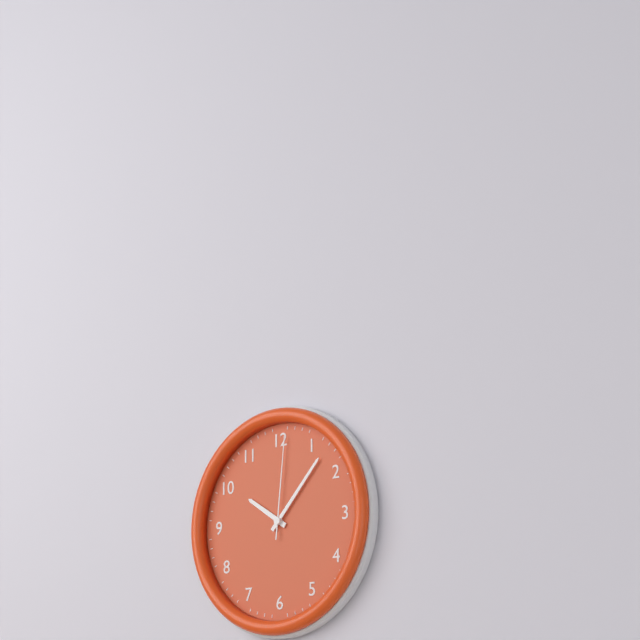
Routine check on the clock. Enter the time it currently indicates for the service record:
10:07:01
